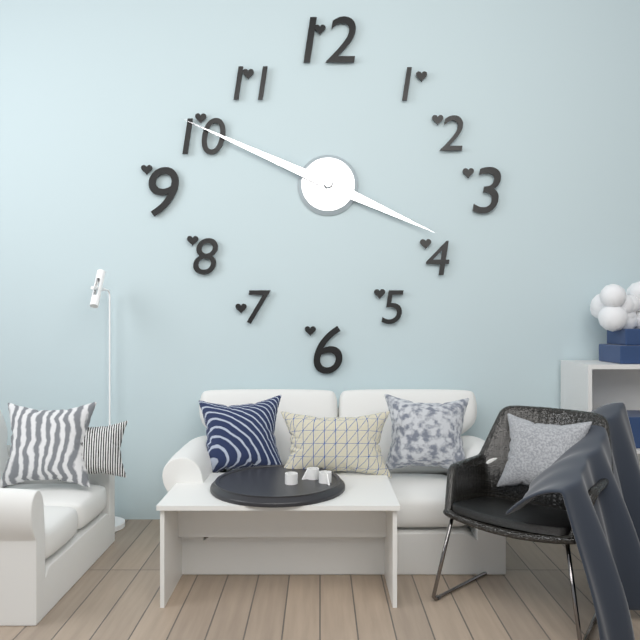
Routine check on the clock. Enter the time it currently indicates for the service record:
3:49
